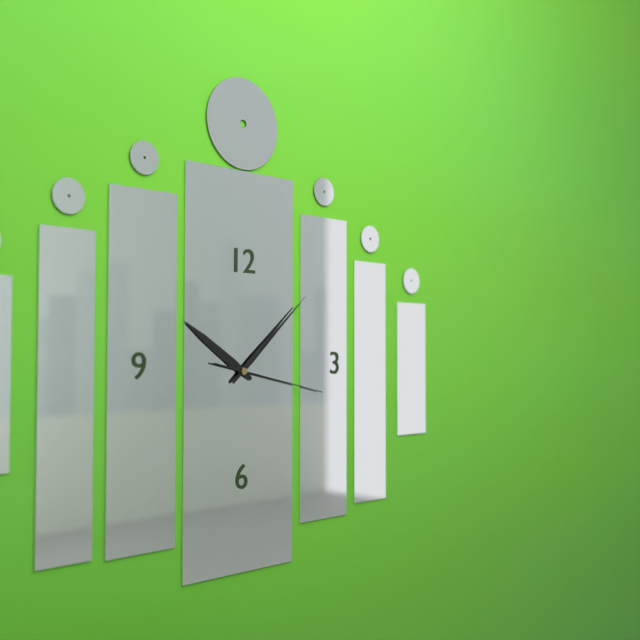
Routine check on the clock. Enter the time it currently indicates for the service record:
10:08:17
